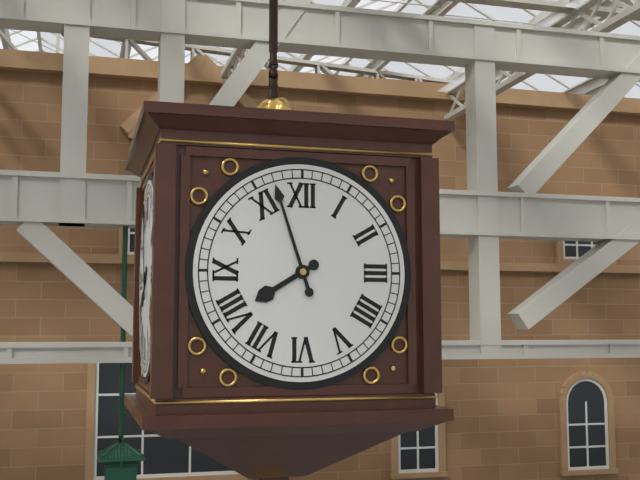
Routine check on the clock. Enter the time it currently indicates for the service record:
7:57
